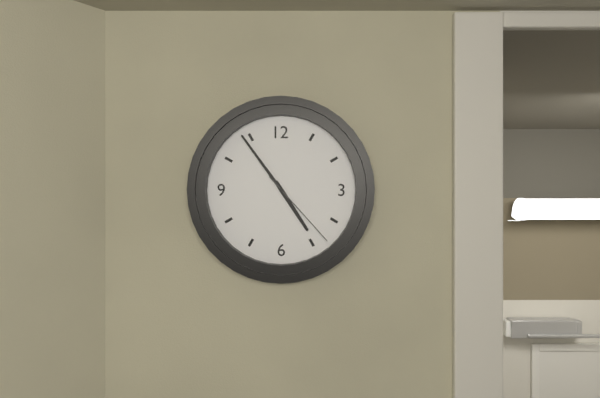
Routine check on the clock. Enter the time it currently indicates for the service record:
4:54:23
